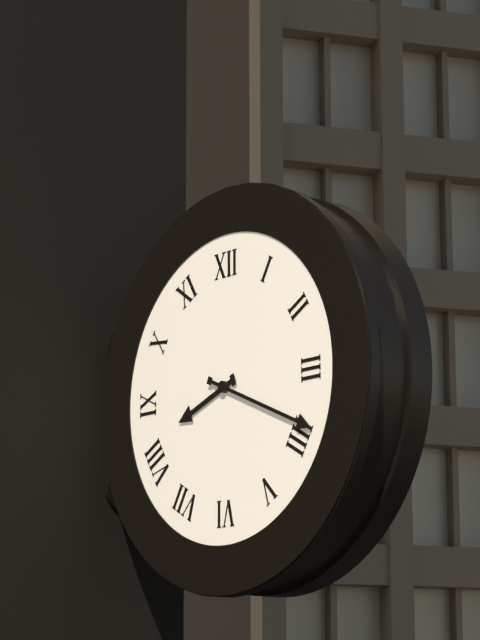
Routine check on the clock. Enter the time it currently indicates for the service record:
8:19
